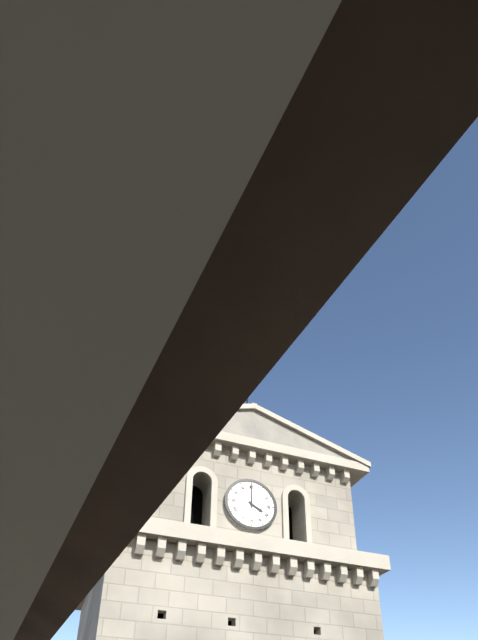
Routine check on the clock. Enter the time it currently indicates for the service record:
4:00
